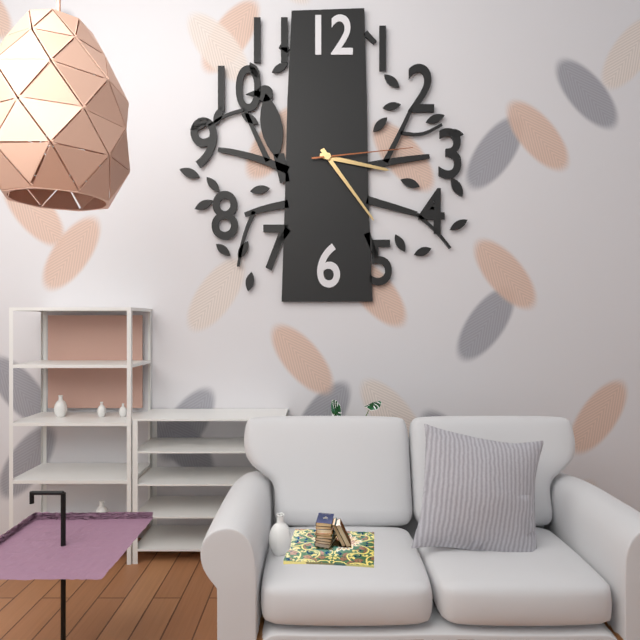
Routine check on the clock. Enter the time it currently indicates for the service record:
3:24:14
